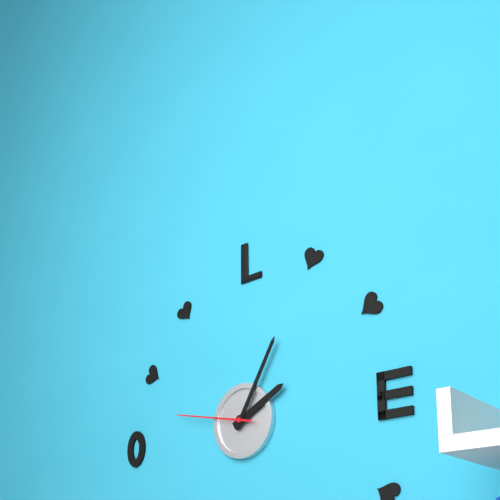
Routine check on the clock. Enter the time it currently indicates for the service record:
2:05:47
